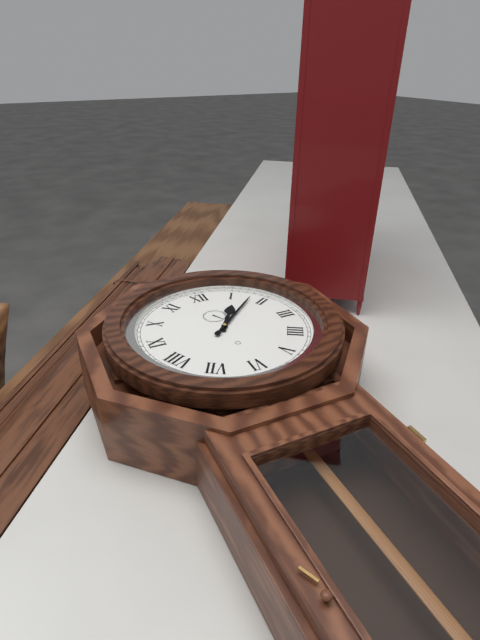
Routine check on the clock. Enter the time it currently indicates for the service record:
1:08
